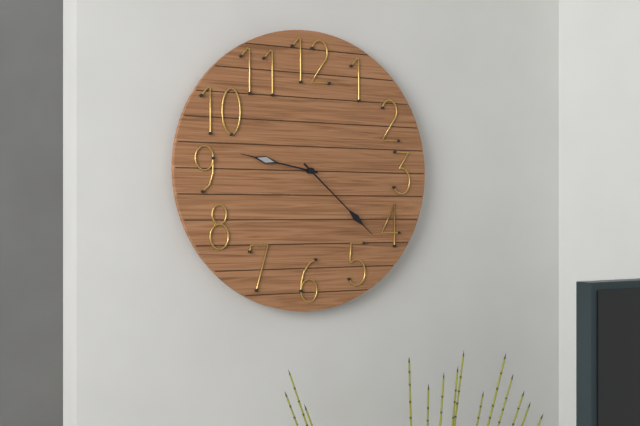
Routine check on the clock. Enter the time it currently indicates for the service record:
9:22
